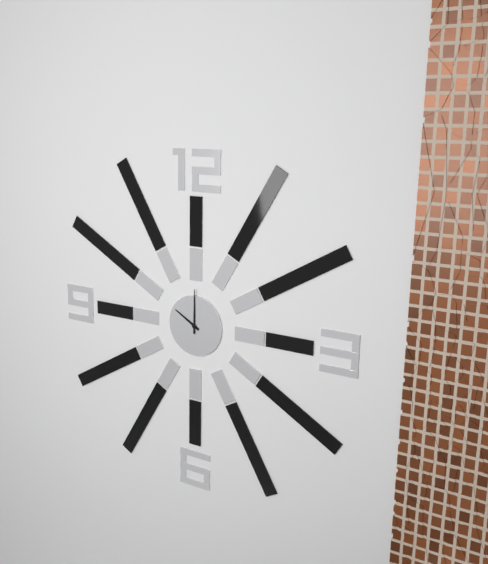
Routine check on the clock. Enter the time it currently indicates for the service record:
10:00
